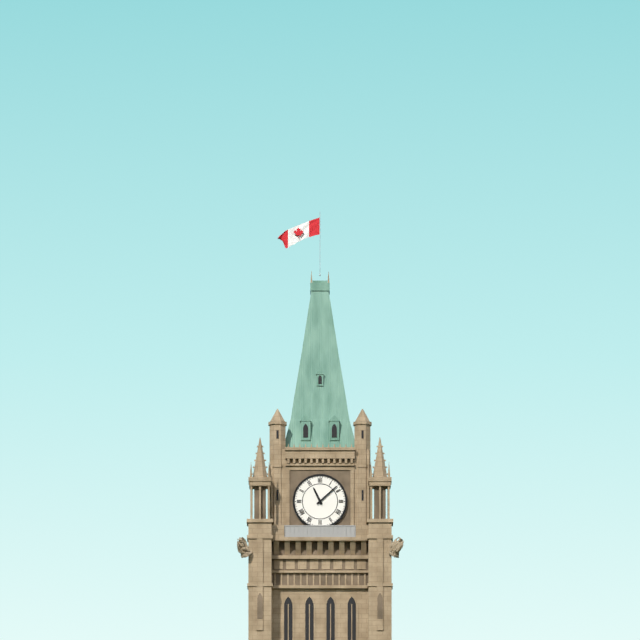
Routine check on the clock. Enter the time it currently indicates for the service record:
11:08
